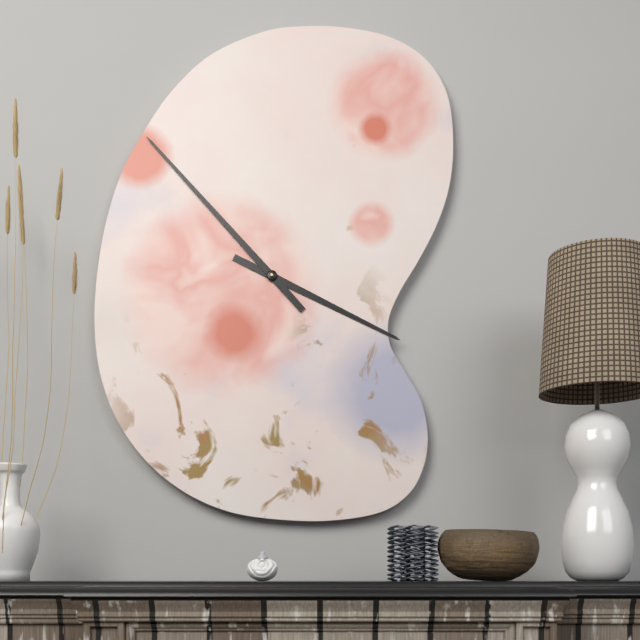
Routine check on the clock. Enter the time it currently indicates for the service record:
3:53
